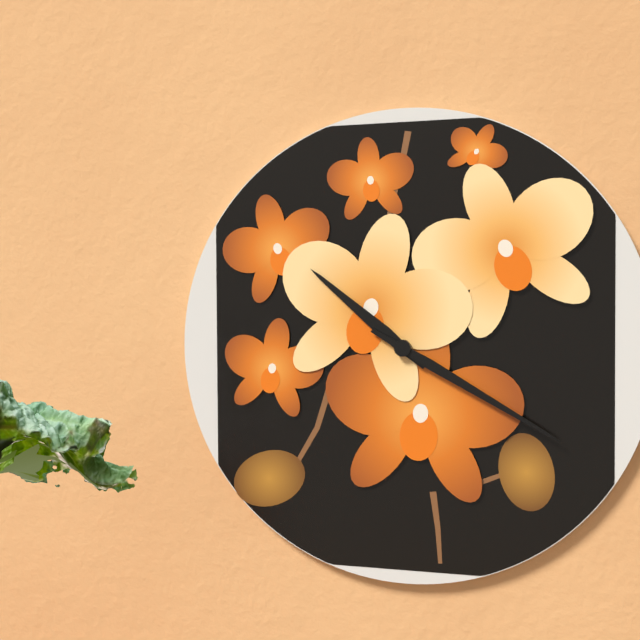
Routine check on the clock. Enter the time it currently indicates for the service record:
10:20
